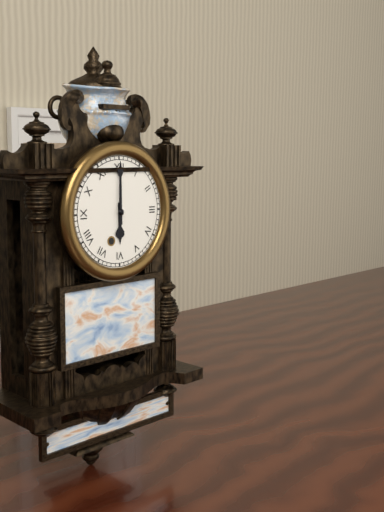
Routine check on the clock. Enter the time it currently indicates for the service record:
6:00
